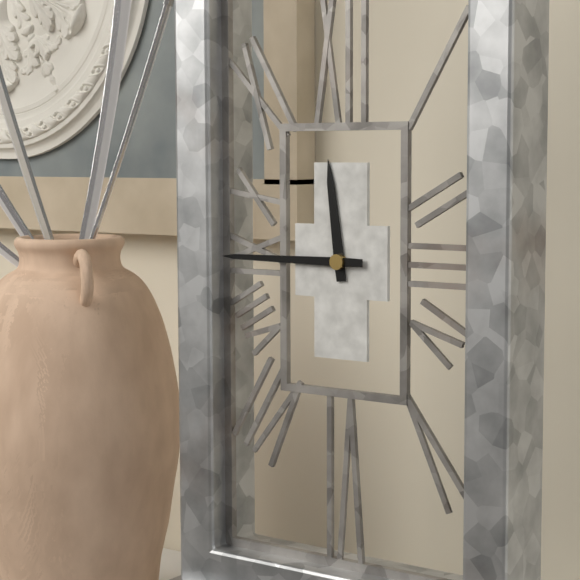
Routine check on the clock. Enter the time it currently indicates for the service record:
11:45
